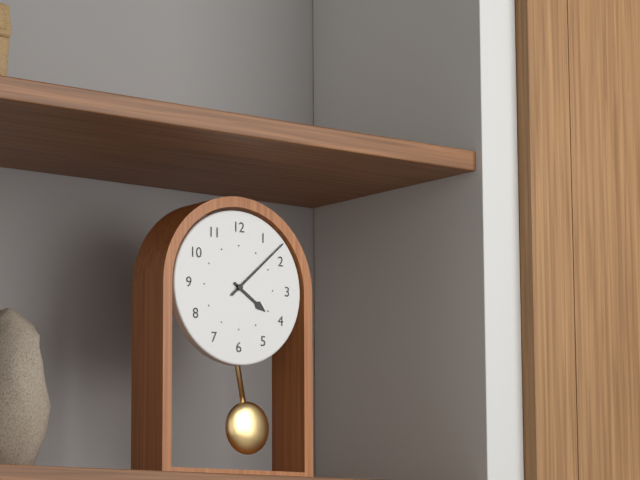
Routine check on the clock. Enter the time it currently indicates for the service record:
4:08
